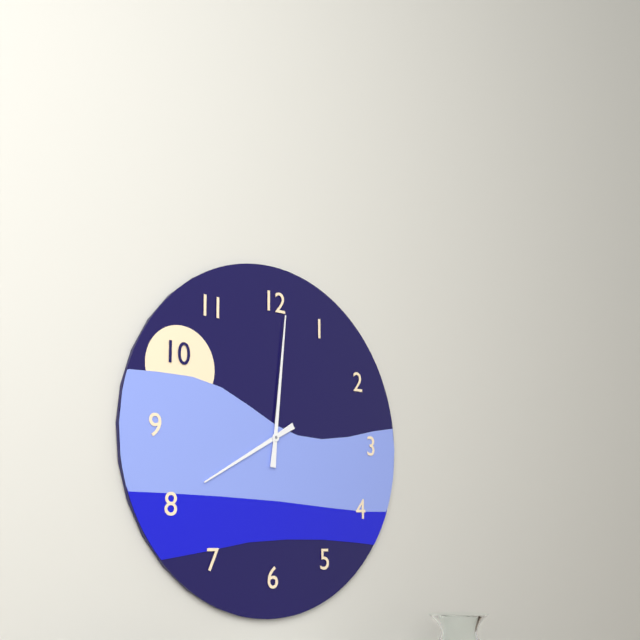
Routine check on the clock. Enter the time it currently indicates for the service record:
8:01
